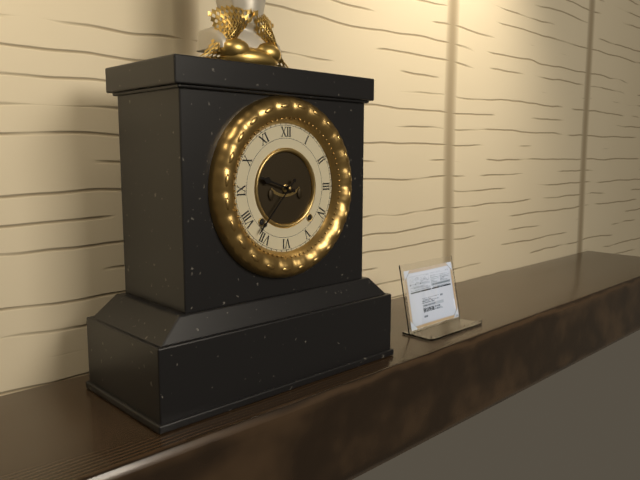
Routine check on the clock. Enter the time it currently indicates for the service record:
9:37
